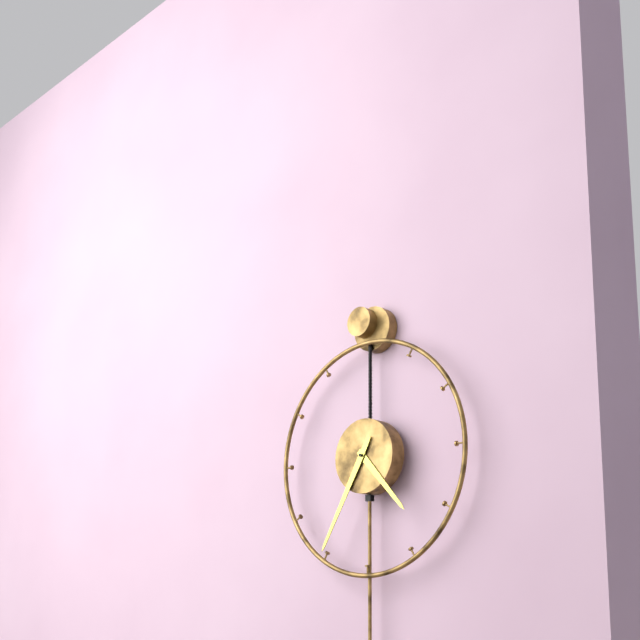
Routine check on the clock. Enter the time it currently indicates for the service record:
4:35
